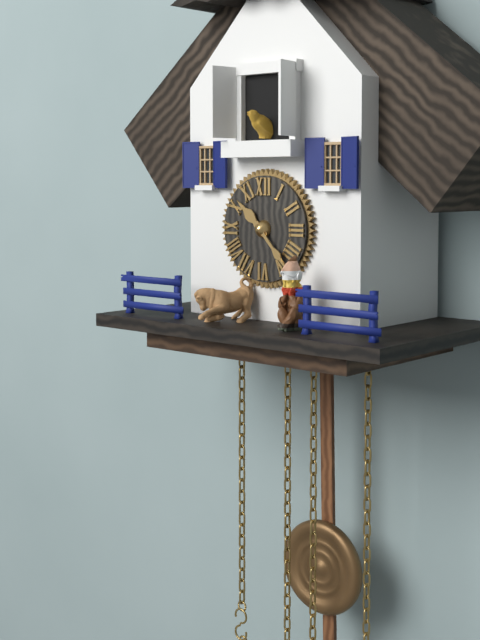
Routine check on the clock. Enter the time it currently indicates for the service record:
10:23
